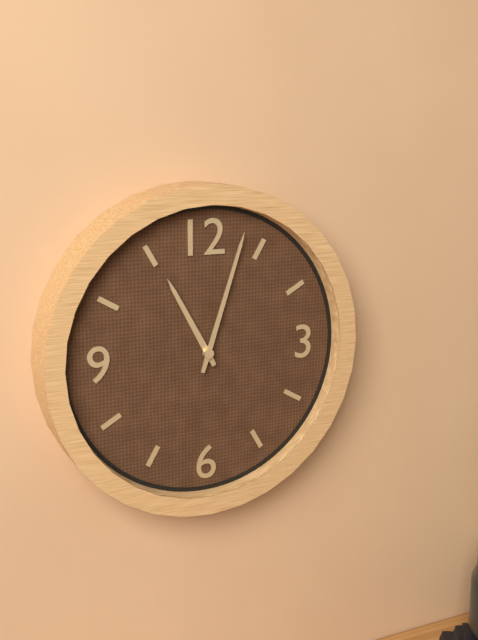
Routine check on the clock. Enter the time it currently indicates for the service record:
11:03
